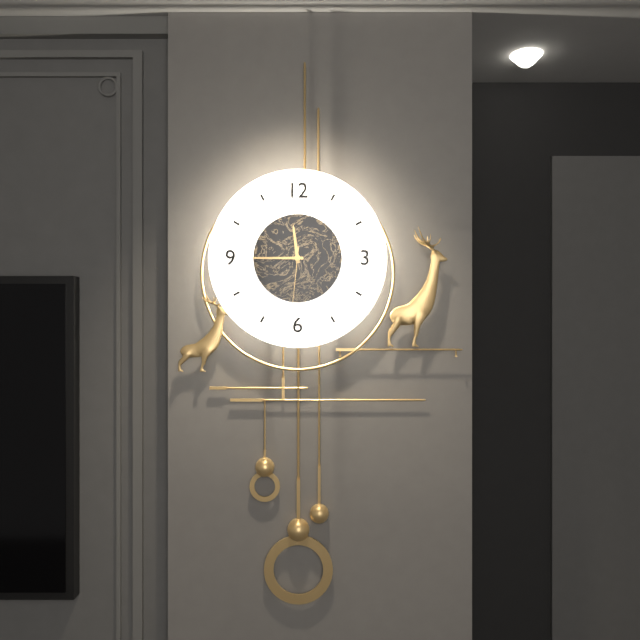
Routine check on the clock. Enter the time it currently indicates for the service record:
11:45:31
